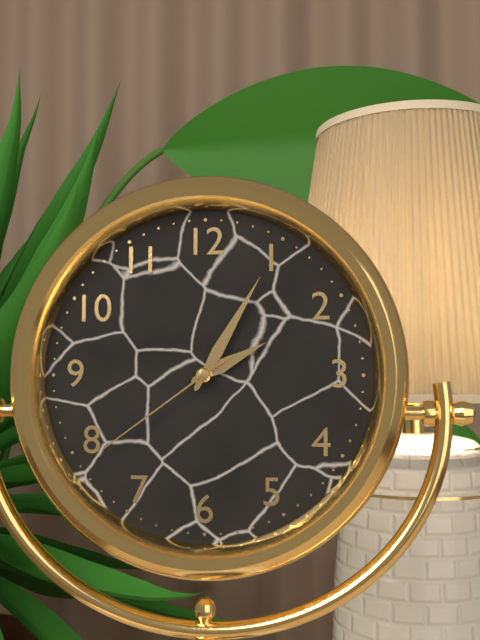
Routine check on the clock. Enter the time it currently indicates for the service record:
2:05:39
